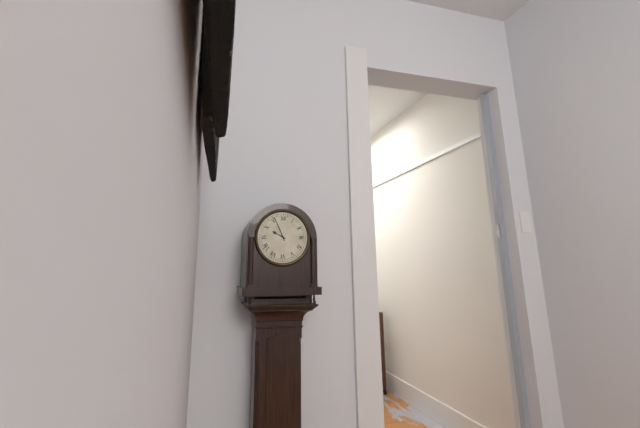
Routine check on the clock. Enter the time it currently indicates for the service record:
9:56
